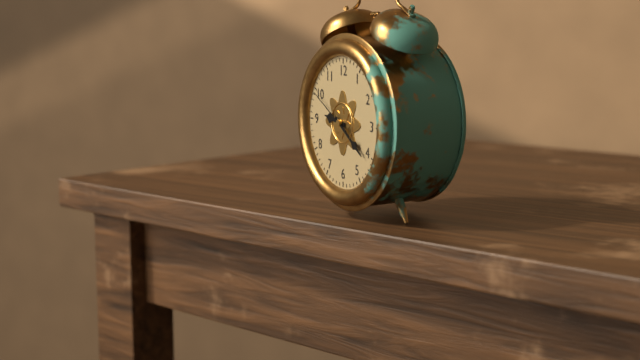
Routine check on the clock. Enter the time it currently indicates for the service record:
9:21:50
